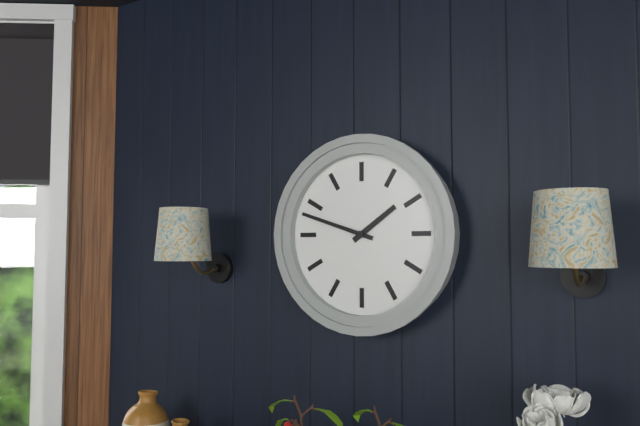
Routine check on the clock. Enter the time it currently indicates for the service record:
1:48
